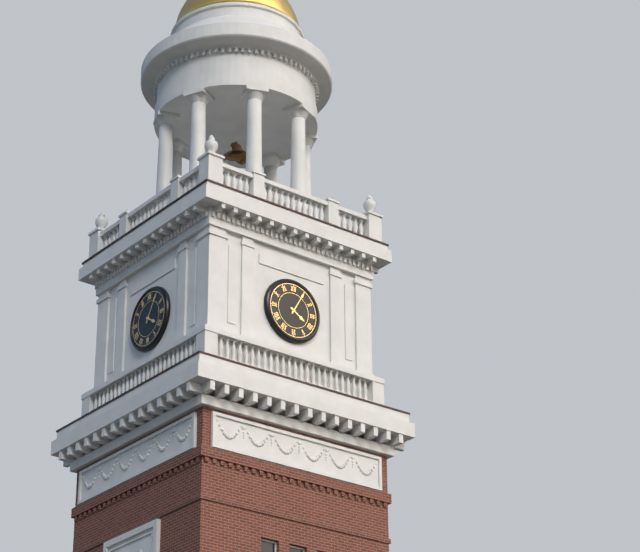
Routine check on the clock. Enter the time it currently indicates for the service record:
4:05
